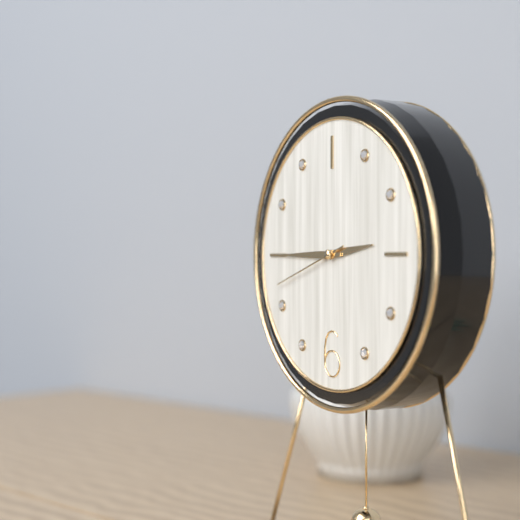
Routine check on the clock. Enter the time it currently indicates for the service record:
2:45:42
